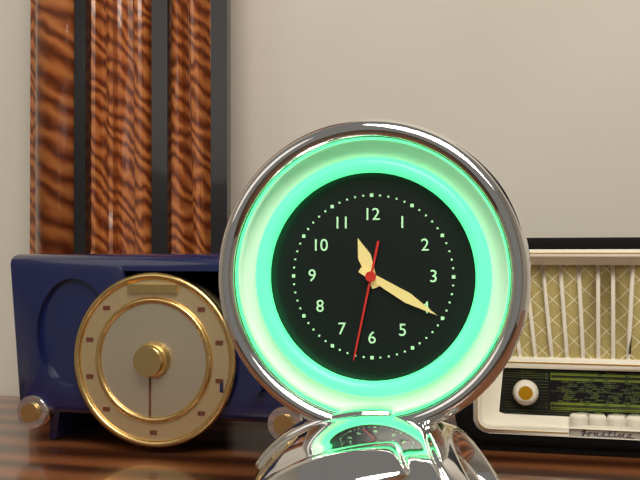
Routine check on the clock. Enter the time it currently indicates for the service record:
11:20:32
